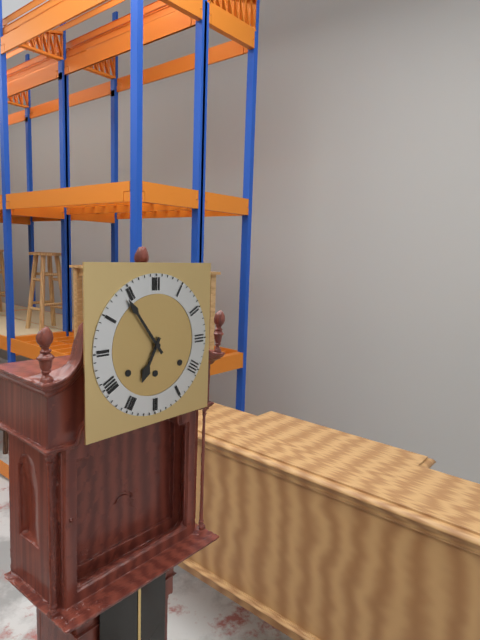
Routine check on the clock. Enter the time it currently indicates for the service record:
6:54
